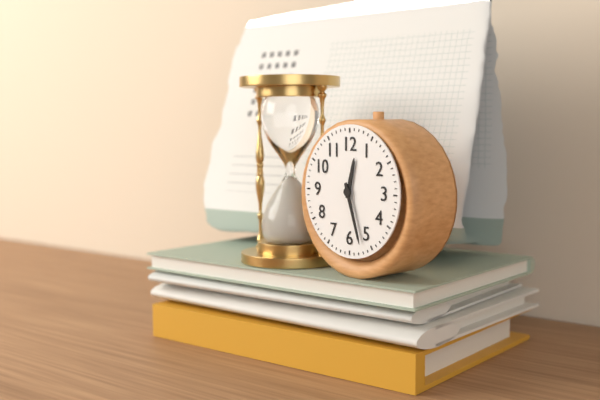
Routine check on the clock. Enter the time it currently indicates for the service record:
12:27
